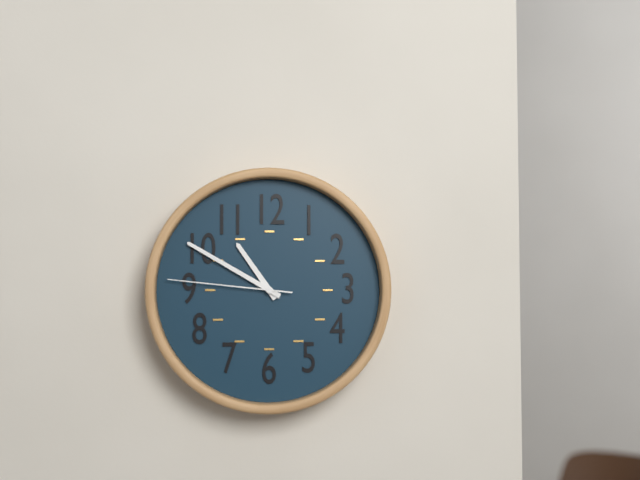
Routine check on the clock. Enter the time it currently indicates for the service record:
10:50:46
